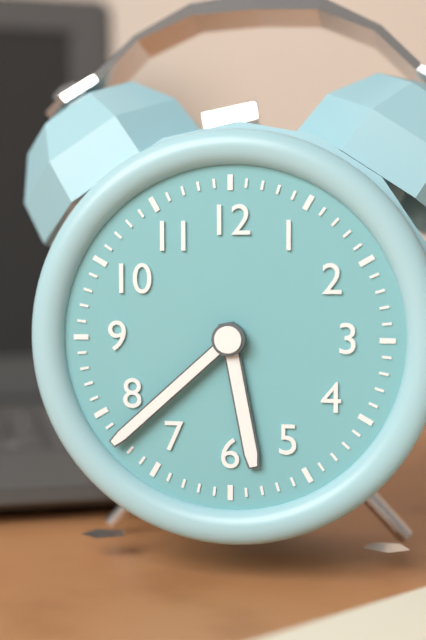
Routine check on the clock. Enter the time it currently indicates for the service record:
5:38
